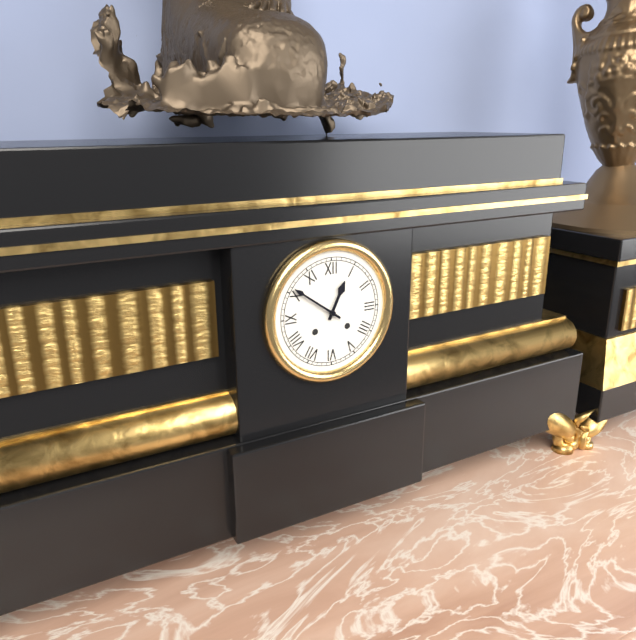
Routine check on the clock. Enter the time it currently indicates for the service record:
12:51
